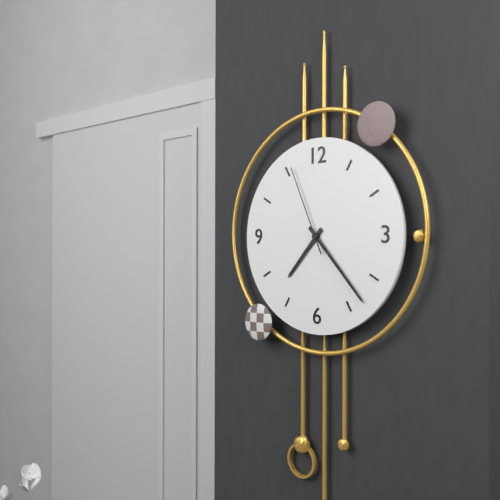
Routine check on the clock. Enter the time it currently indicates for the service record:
7:23:56
